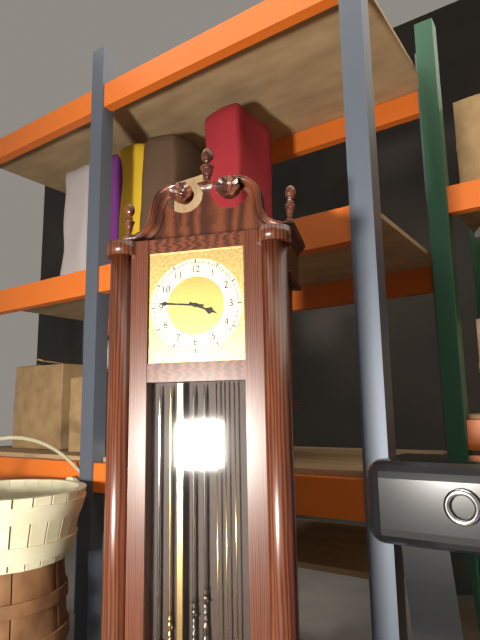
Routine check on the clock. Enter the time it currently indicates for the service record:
3:46
